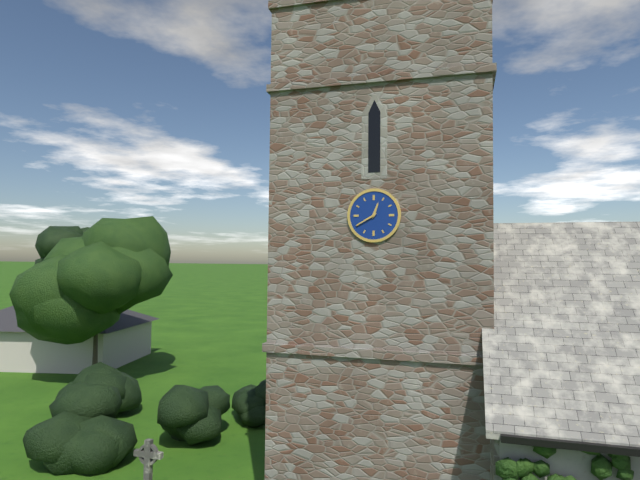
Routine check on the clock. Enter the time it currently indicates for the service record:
12:40
